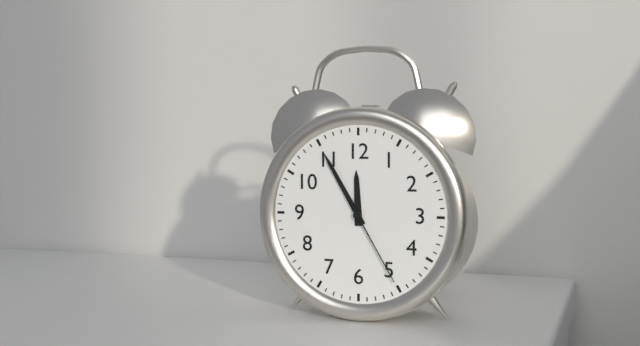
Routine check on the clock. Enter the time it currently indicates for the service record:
11:55:25
